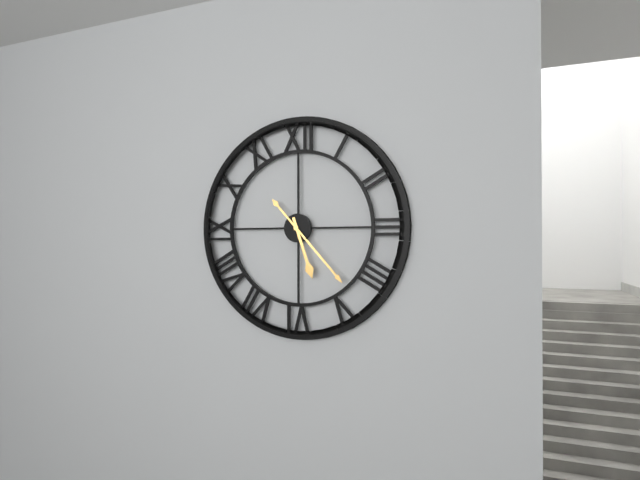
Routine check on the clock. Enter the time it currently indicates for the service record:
5:23
